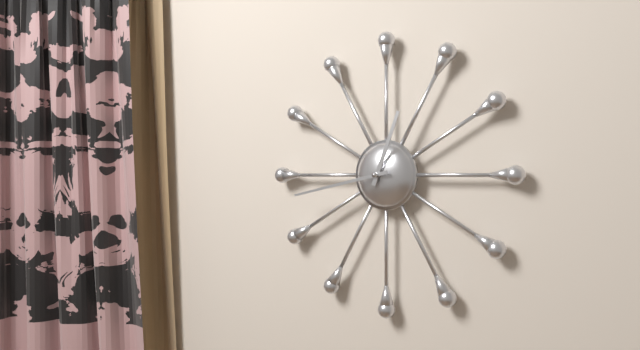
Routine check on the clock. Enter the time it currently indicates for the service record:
12:43
